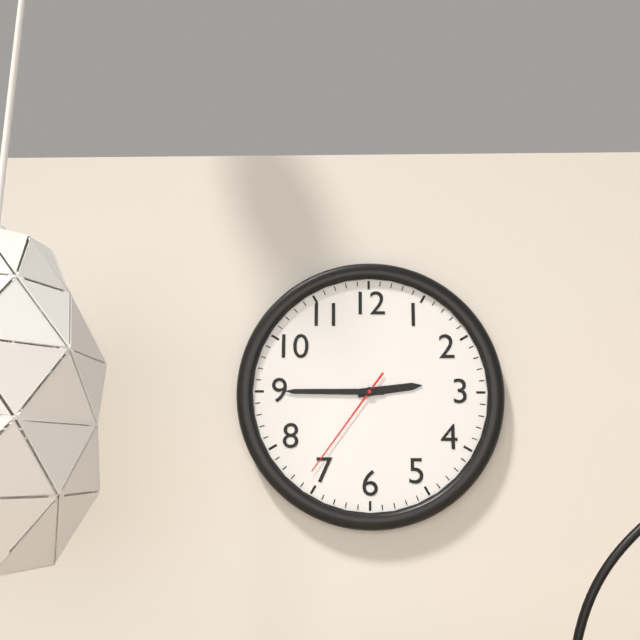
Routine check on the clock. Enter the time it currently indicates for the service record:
2:45:36
